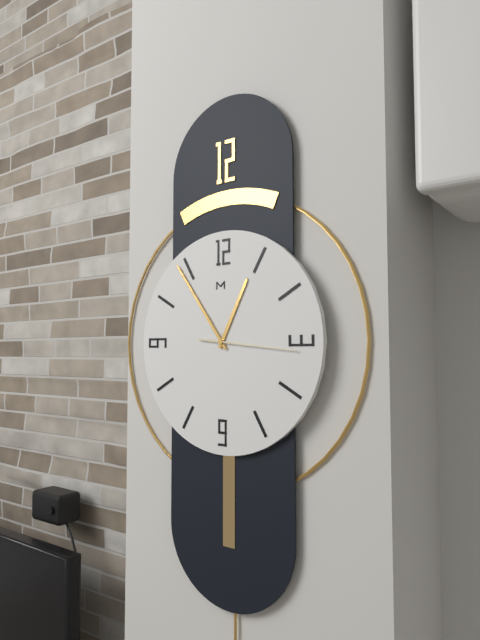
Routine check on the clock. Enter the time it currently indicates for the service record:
12:54:16
